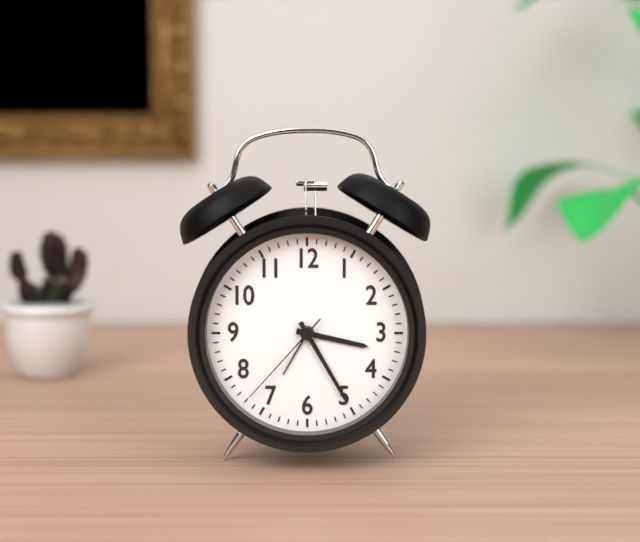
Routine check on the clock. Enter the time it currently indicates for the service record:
3:25:37
